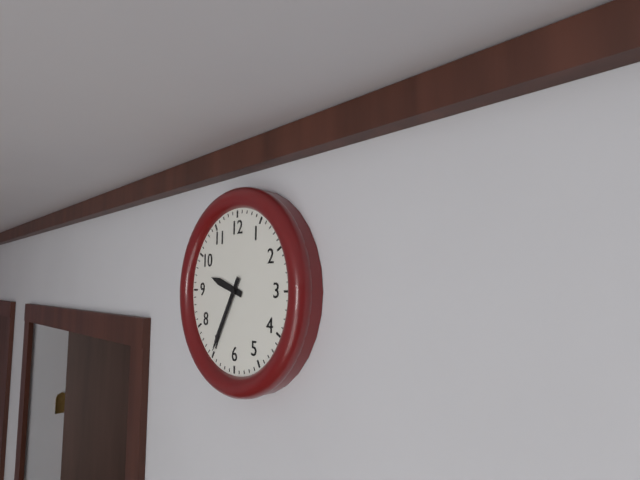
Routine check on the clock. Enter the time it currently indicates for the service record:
9:35
